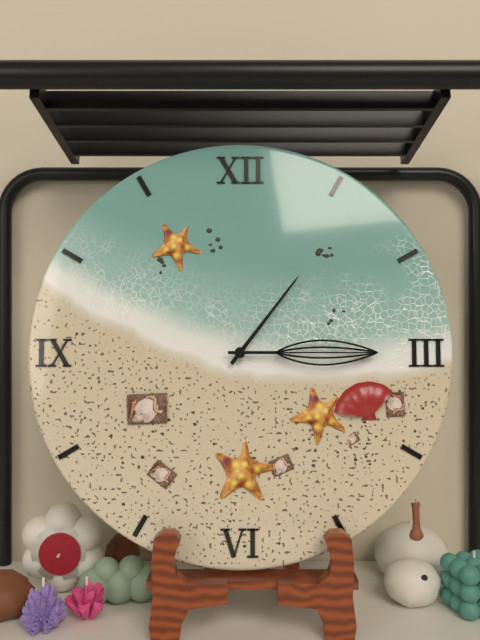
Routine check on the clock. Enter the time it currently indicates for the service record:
1:15
